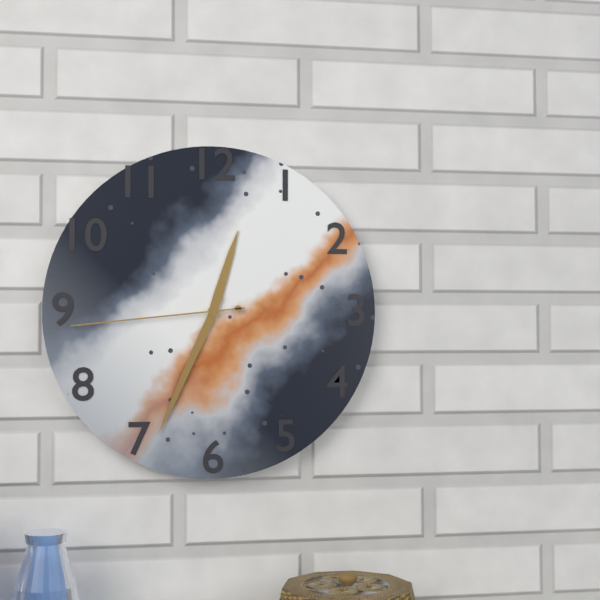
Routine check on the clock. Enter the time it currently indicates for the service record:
12:34:44
